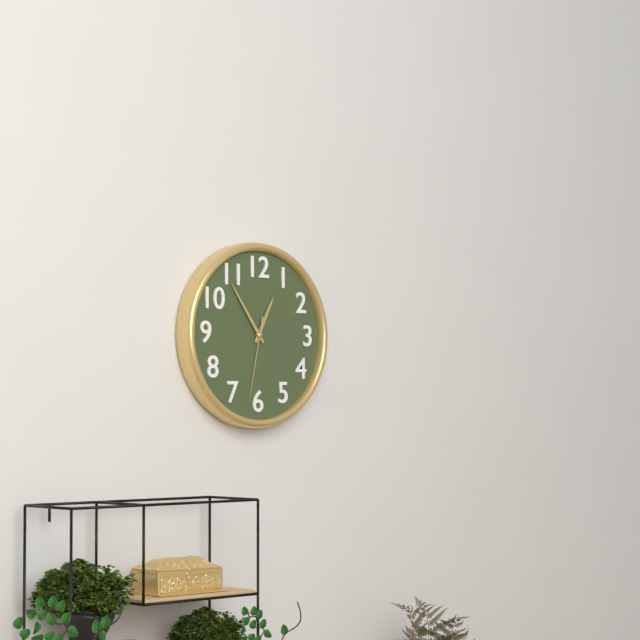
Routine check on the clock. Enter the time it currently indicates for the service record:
12:54:32
